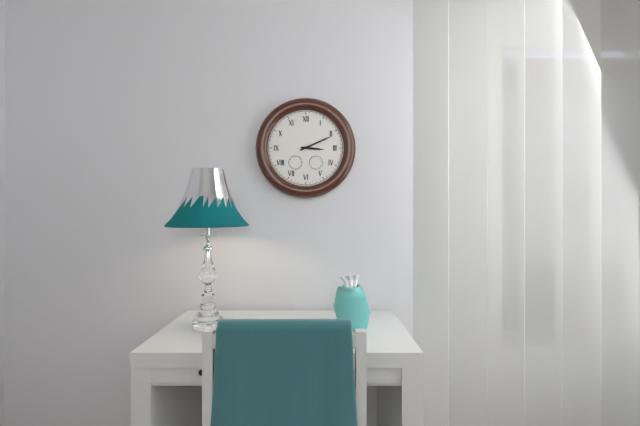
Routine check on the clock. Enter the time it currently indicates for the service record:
3:11
